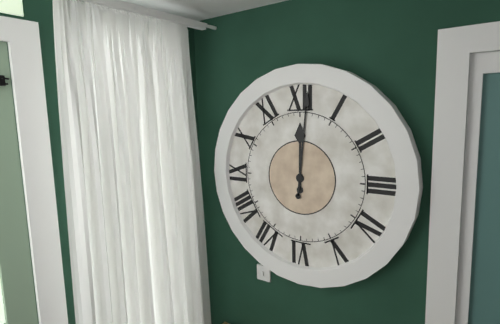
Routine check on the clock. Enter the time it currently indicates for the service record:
12:01
